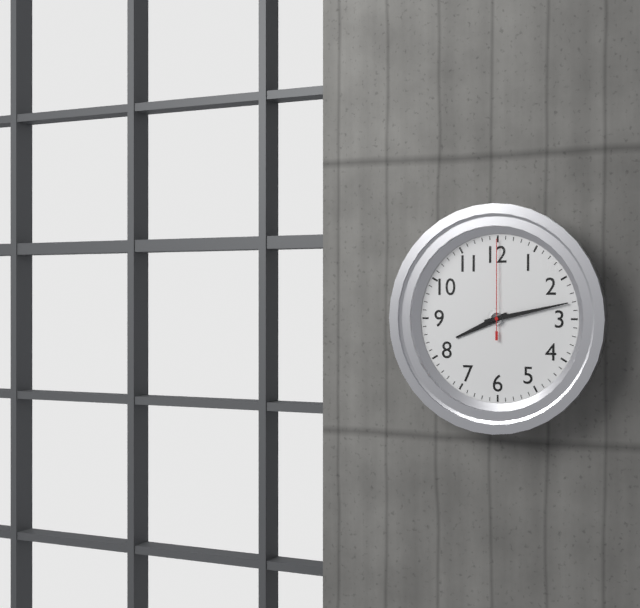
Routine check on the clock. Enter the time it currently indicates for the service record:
8:13:00
